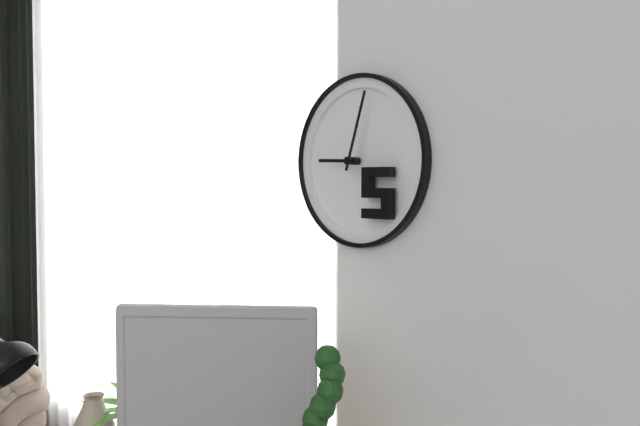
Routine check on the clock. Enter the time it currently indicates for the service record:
9:03
